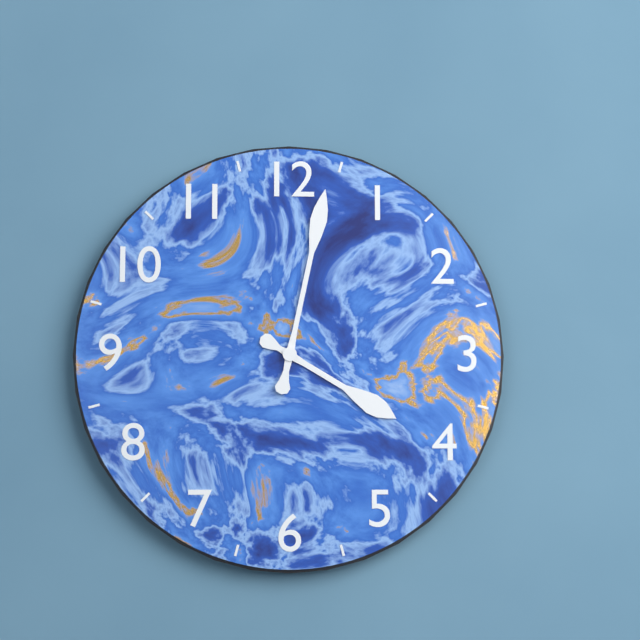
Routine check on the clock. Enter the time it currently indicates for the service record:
4:02
